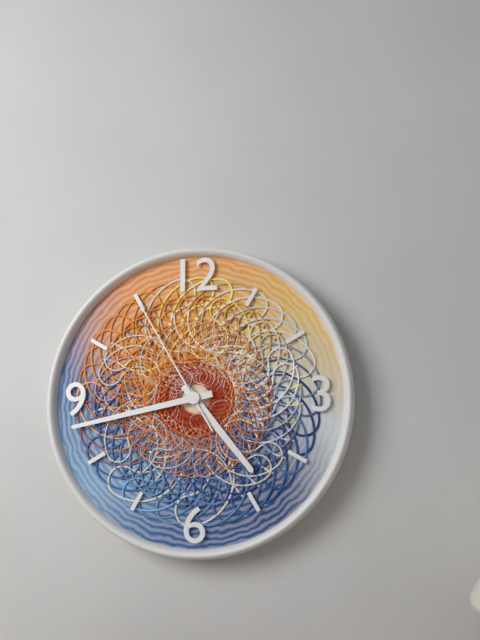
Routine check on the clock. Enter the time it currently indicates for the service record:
4:43:55
